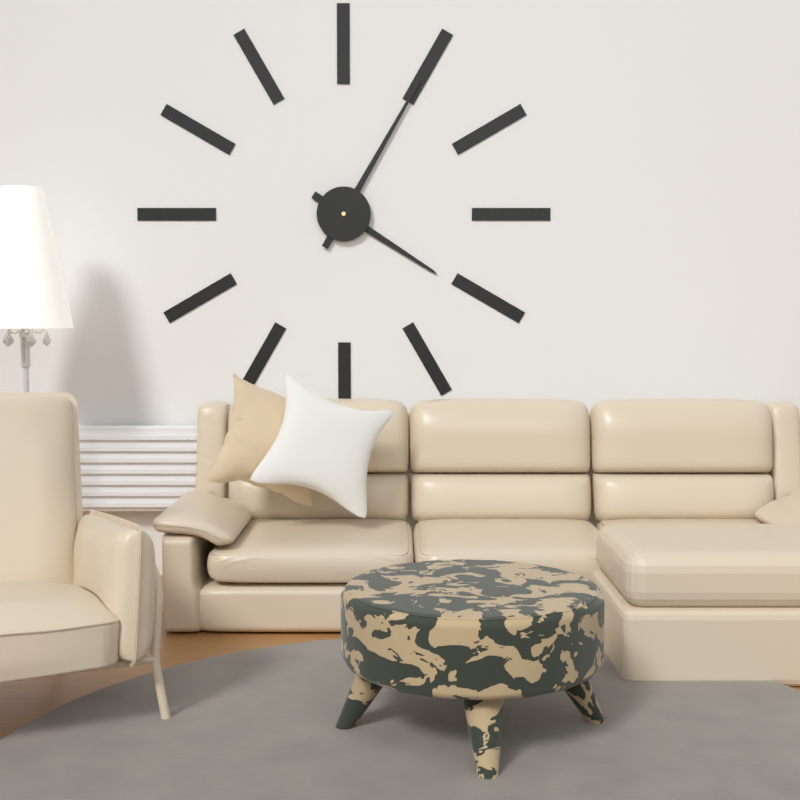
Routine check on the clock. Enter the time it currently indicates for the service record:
4:05
